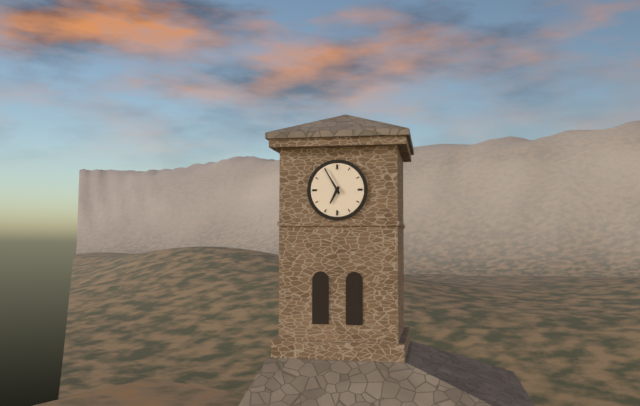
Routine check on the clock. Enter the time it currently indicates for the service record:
6:55
